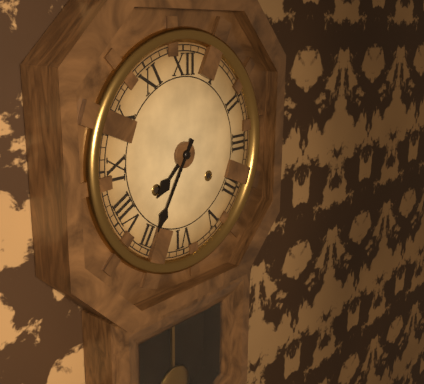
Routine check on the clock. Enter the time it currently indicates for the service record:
7:35
